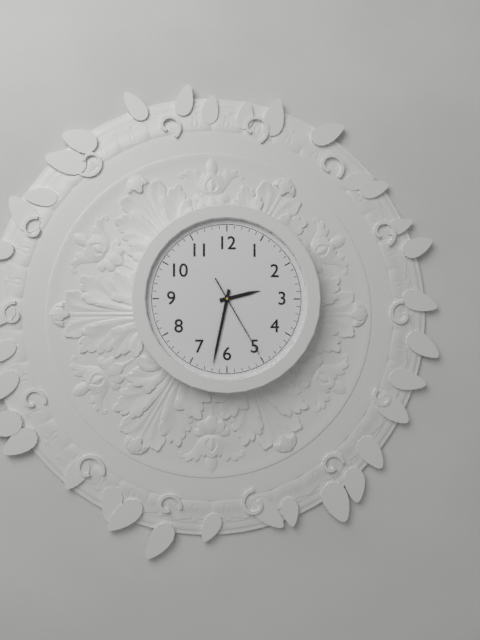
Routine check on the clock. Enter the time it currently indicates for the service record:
2:32:25
